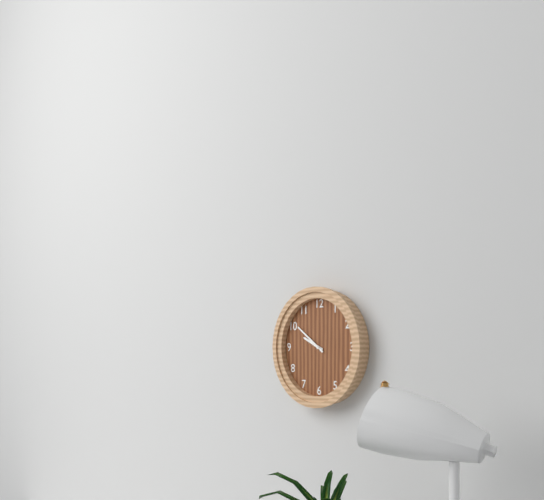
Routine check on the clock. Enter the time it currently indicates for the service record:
9:51
